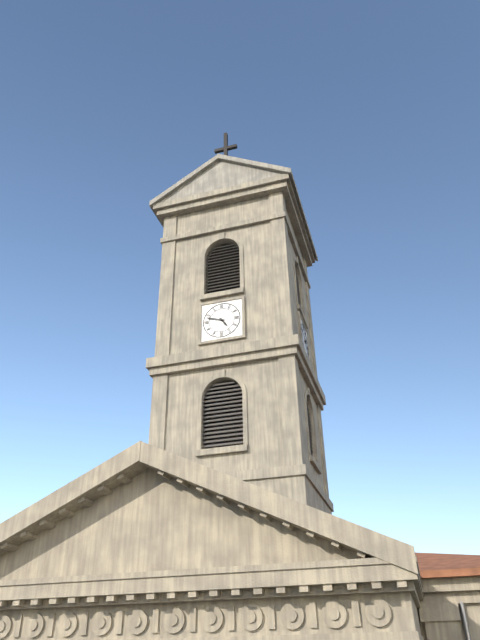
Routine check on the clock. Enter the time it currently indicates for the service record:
4:48
